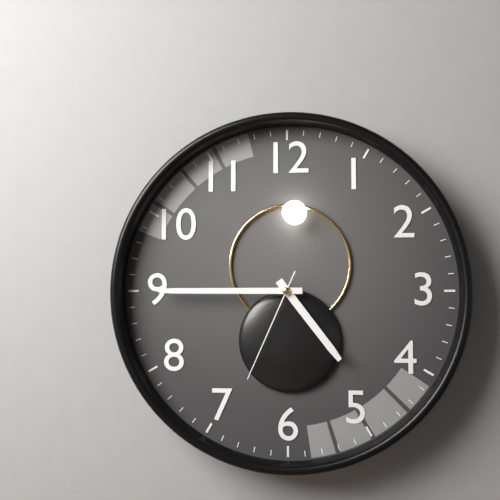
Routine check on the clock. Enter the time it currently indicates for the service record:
4:45:34
